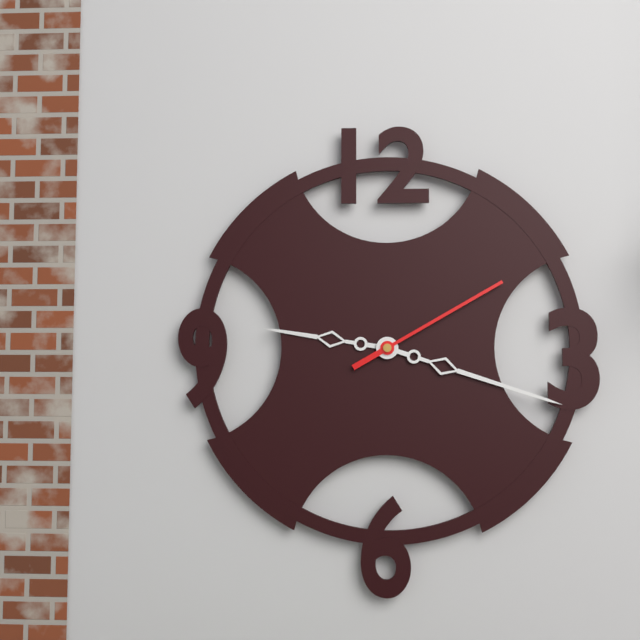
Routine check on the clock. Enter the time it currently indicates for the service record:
9:18:10
